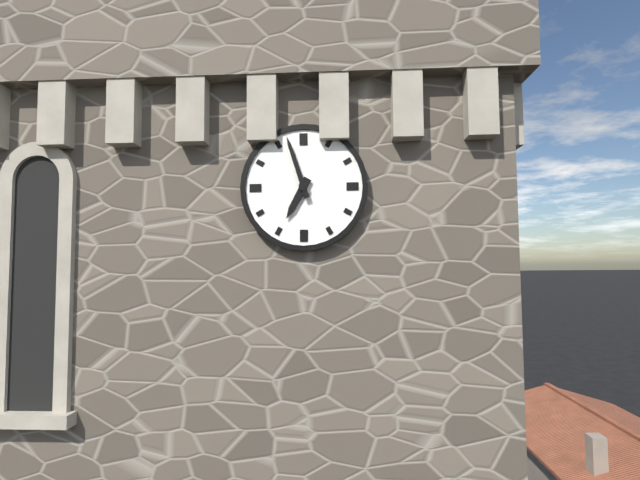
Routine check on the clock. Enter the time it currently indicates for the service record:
6:57
